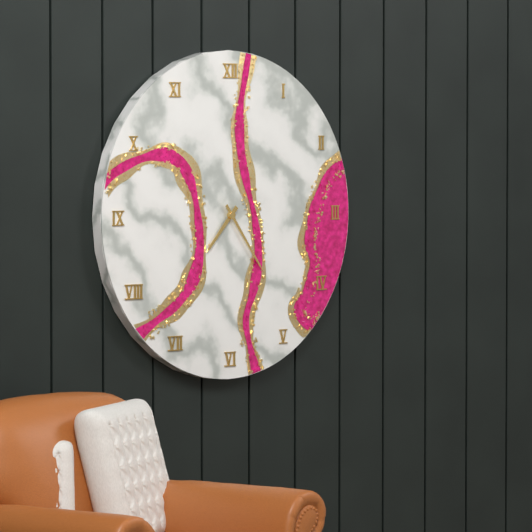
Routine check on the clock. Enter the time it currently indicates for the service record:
7:24
